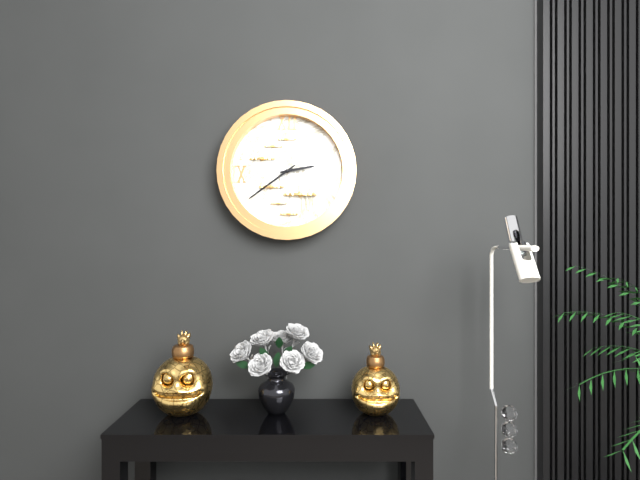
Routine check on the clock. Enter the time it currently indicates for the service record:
2:39
